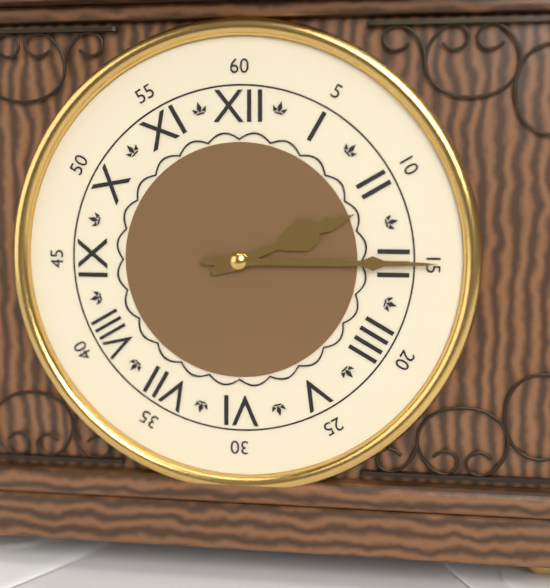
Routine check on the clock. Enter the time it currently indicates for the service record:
2:15
